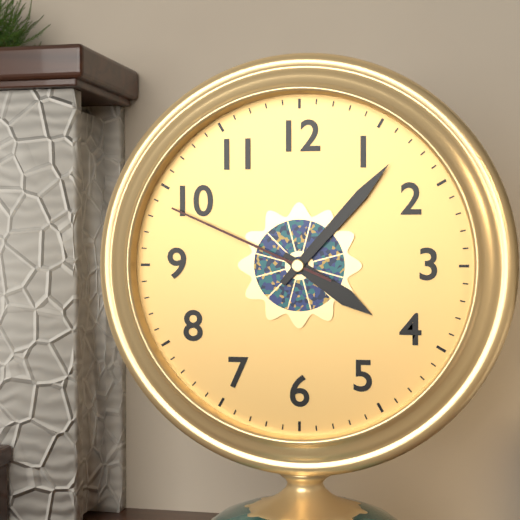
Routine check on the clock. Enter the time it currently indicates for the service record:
4:07:49
